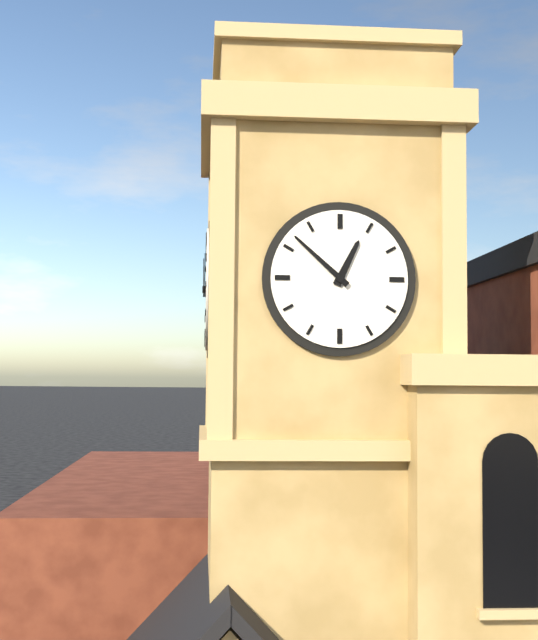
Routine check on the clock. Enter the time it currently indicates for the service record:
12:52
